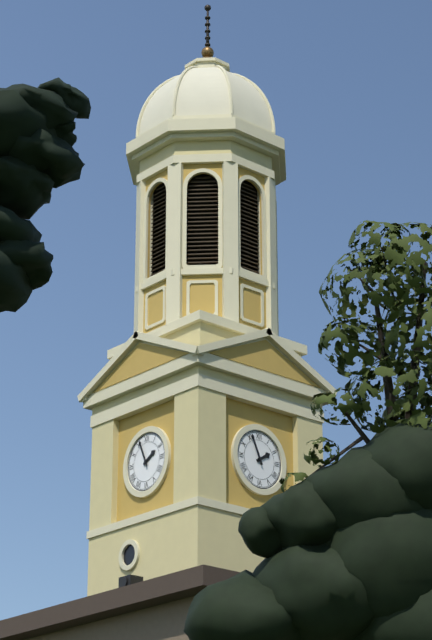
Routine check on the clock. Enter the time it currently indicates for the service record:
1:56
